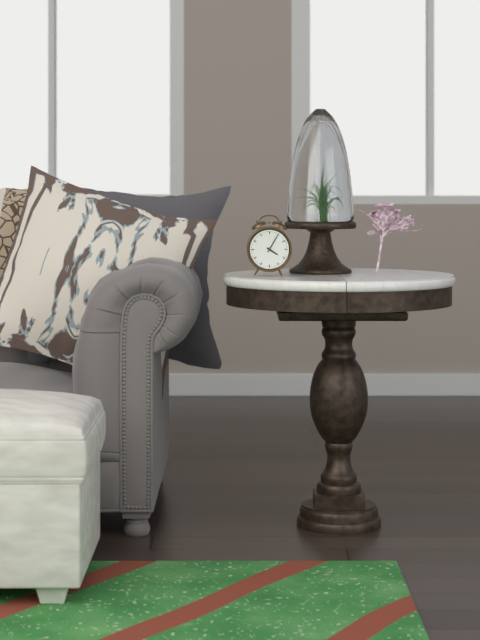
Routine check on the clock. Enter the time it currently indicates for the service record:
4:05
